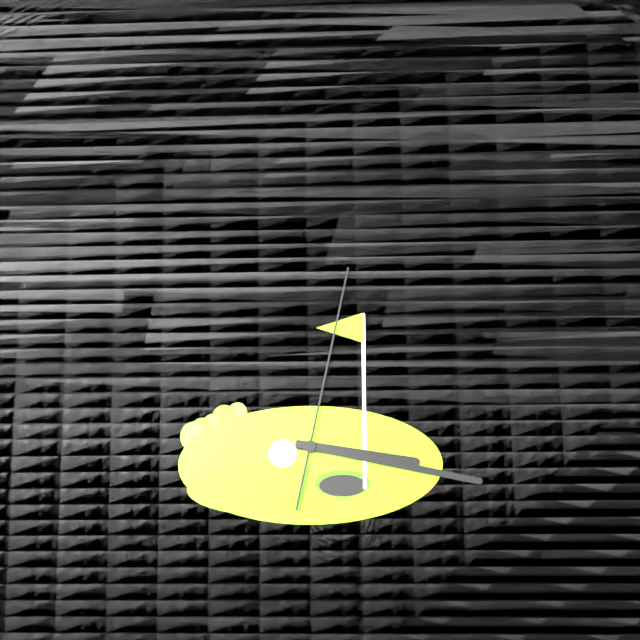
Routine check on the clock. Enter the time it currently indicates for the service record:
3:17:02
